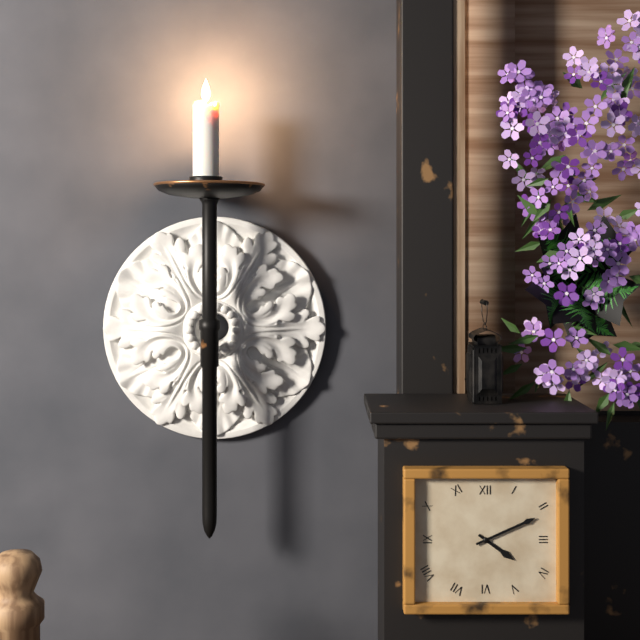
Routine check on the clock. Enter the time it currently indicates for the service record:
4:11
